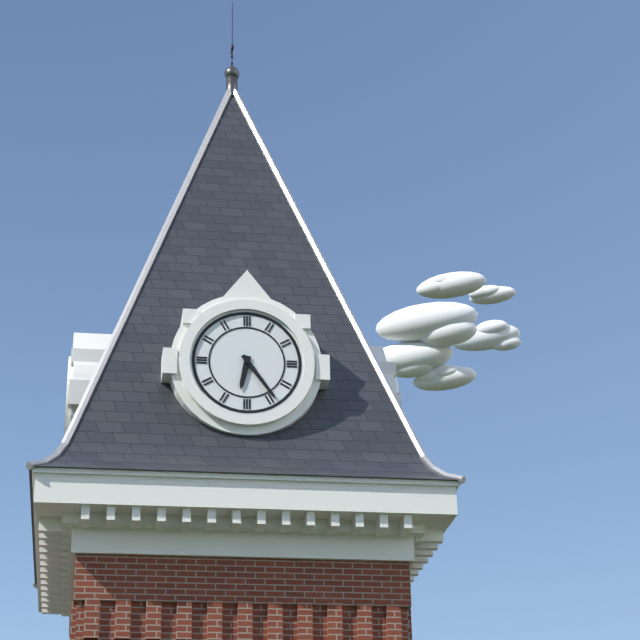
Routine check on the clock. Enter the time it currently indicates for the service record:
6:24
